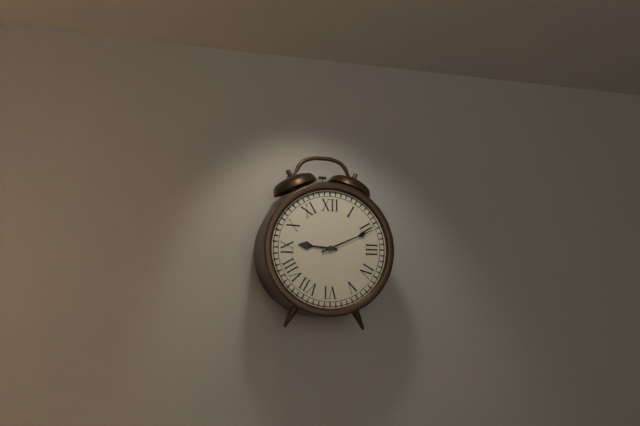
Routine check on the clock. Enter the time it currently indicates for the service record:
9:11
